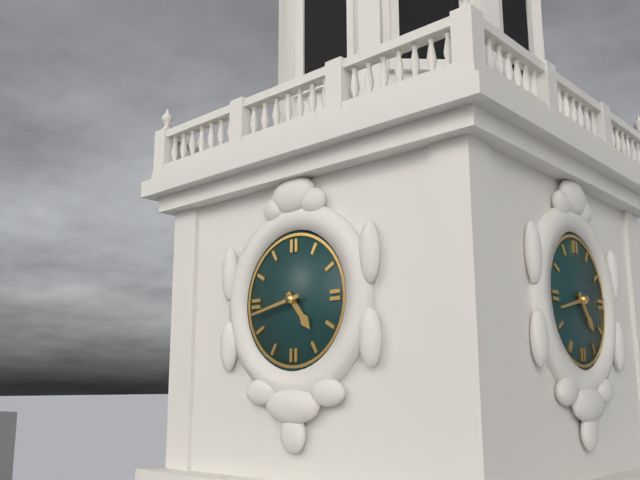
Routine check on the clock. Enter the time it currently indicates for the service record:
4:43
